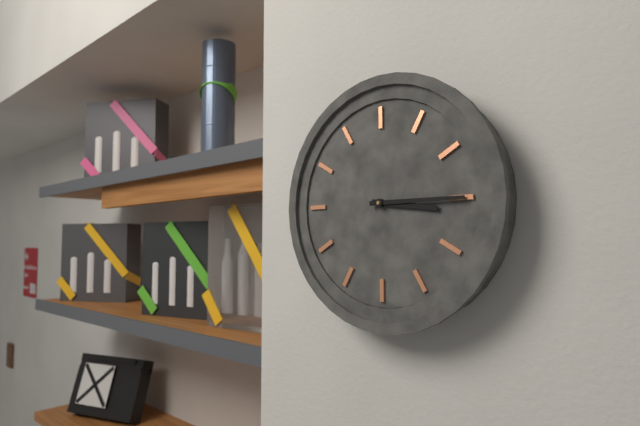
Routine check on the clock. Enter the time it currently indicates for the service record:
3:15
